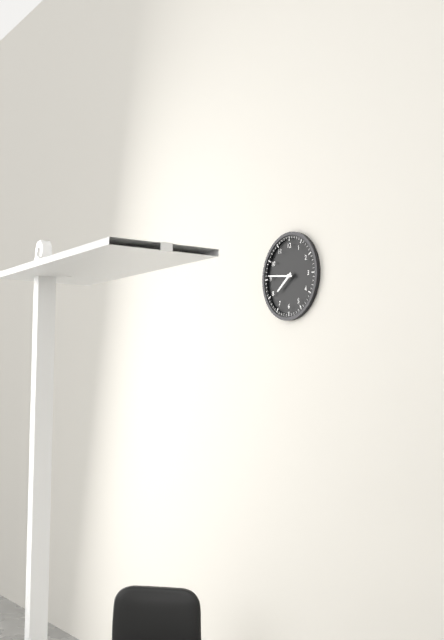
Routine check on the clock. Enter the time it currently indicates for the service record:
7:46
